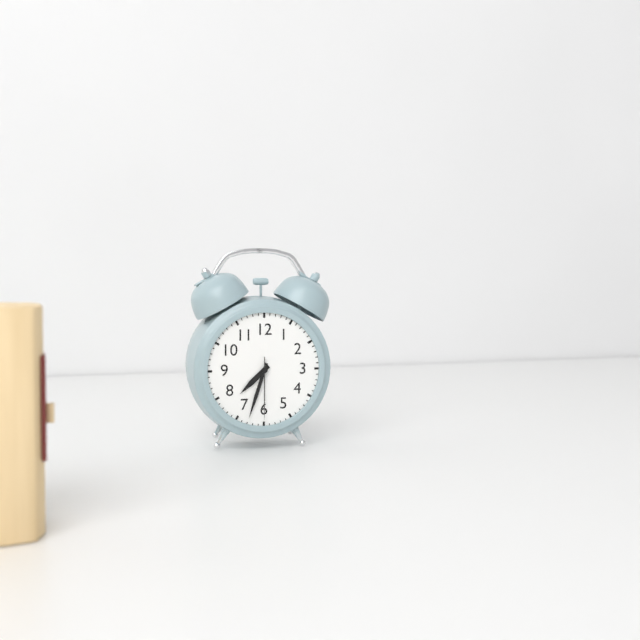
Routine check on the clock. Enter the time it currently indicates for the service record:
7:33:30
